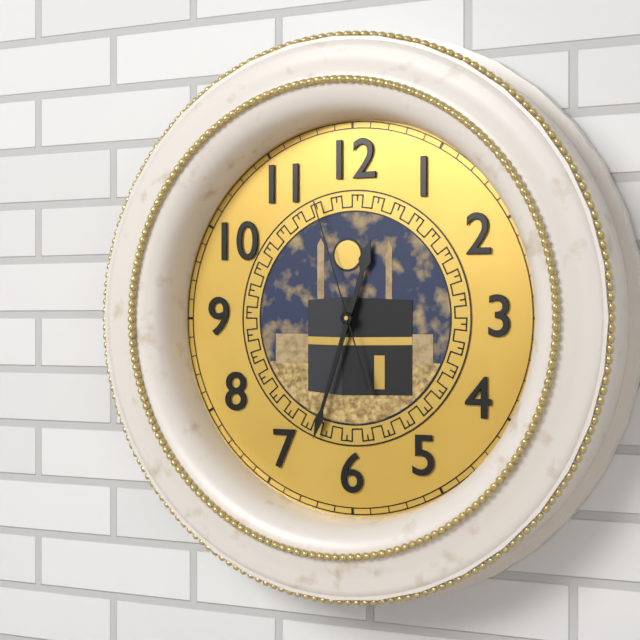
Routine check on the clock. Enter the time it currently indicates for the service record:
12:33:57
